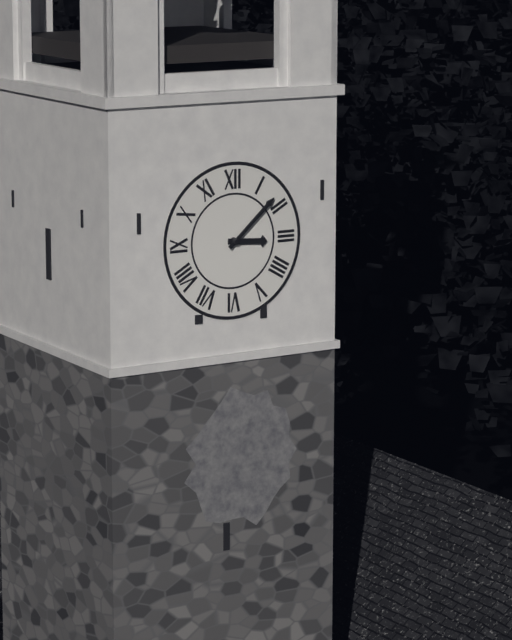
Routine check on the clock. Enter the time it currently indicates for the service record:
3:08
